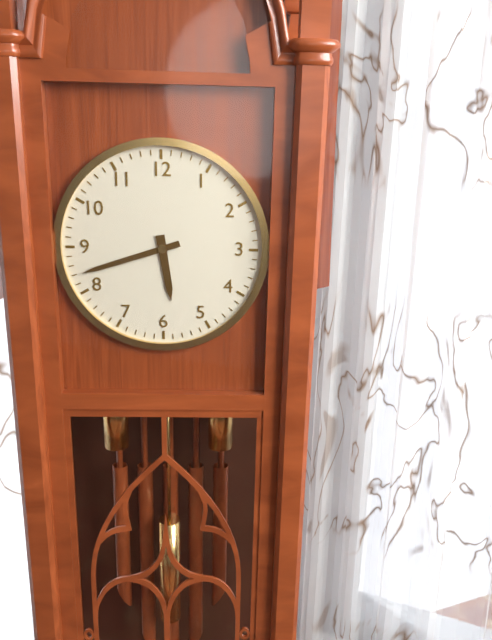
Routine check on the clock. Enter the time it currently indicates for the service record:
5:42
